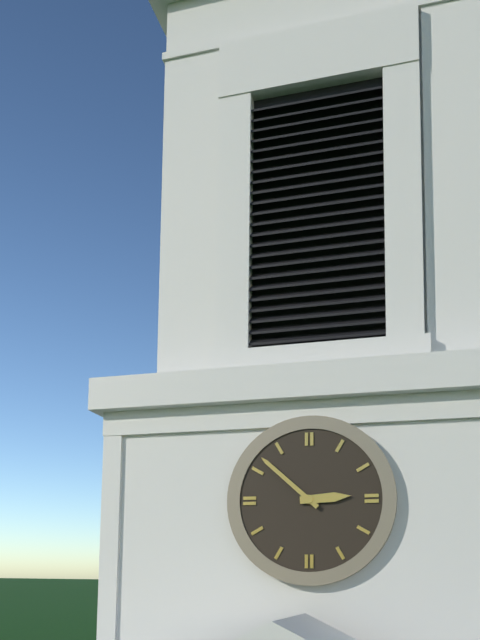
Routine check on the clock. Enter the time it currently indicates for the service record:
2:52
